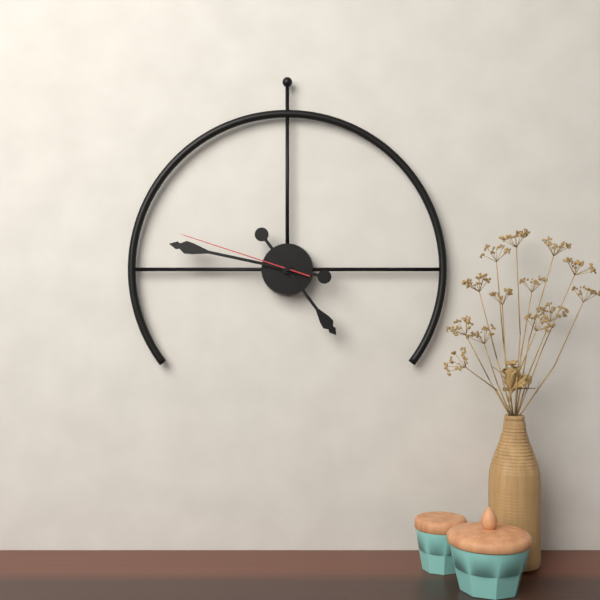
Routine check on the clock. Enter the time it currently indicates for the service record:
4:47:48
